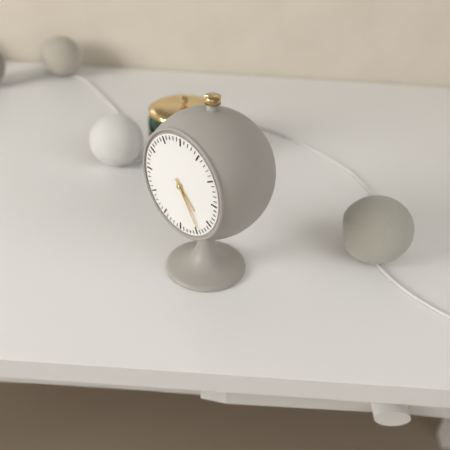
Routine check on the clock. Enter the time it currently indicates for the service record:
4:24
